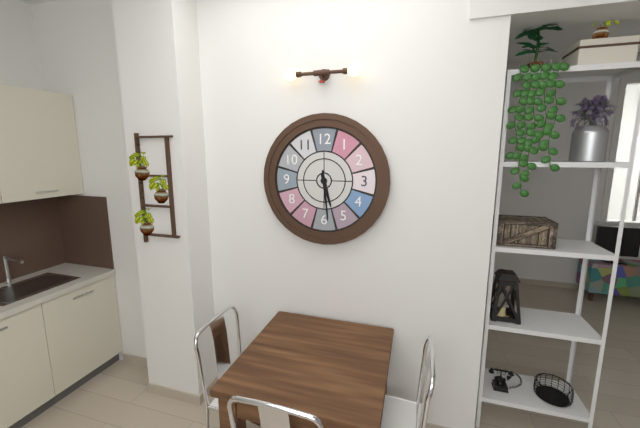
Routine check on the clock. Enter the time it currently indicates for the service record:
5:29
